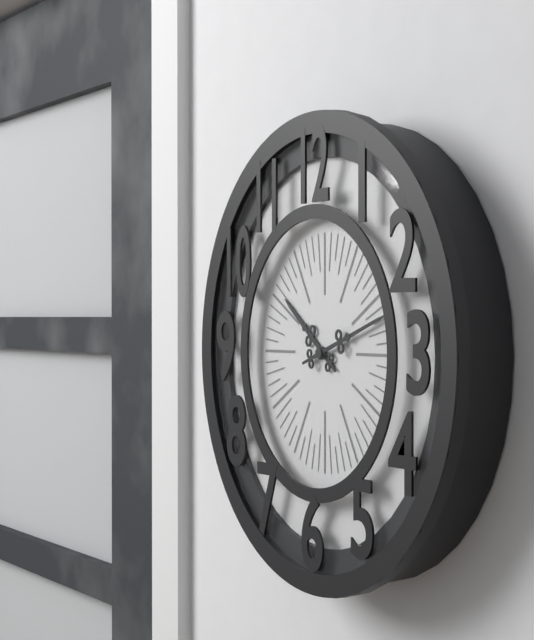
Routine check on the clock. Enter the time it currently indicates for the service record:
10:12
